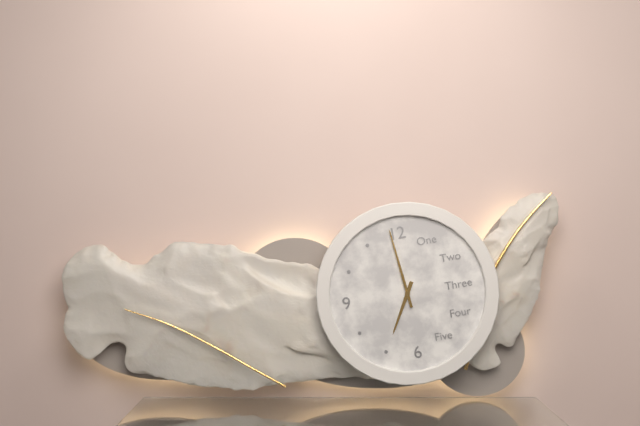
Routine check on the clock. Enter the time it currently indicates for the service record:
6:59
